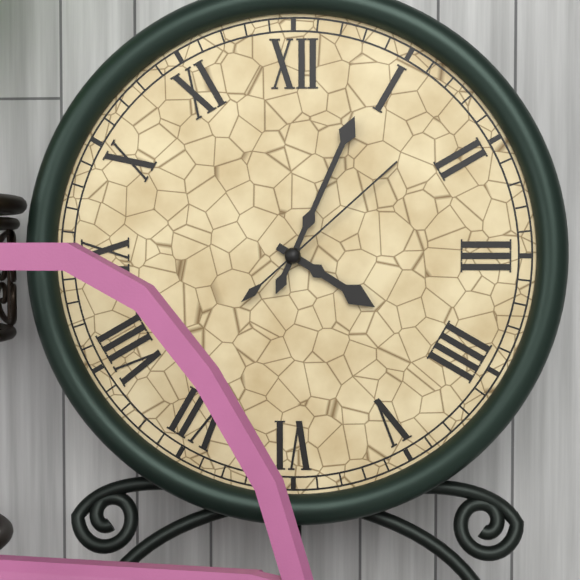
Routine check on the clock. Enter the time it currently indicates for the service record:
4:04:08
